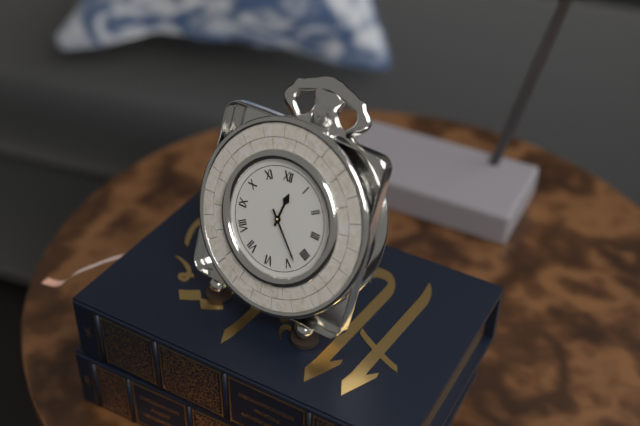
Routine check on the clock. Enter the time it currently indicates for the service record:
12:23
